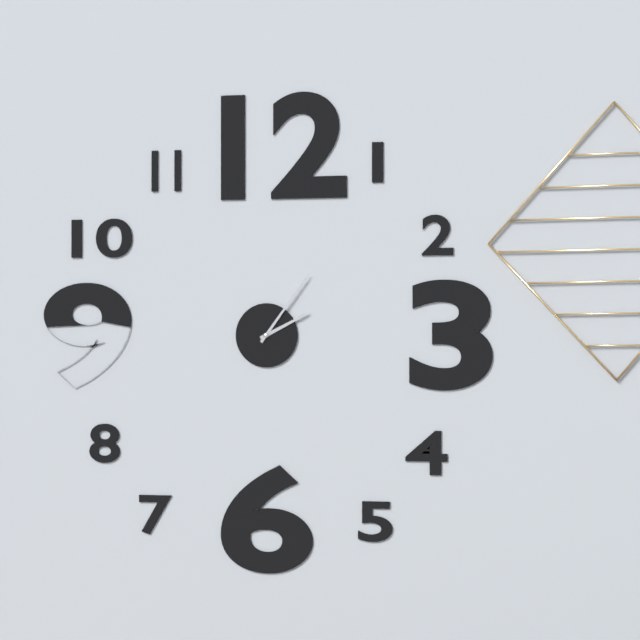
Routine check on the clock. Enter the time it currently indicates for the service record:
2:06
